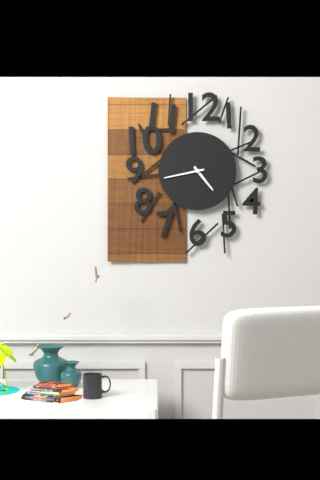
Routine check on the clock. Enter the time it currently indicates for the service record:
4:43
